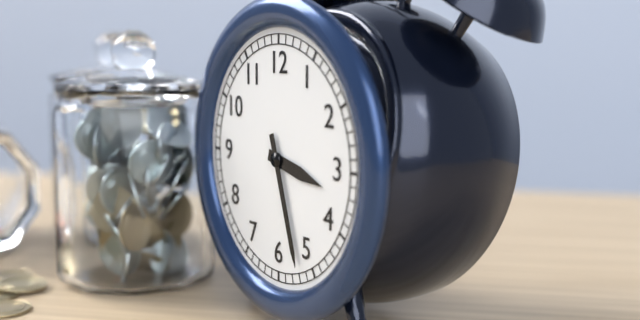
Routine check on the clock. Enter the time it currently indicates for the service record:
3:27
